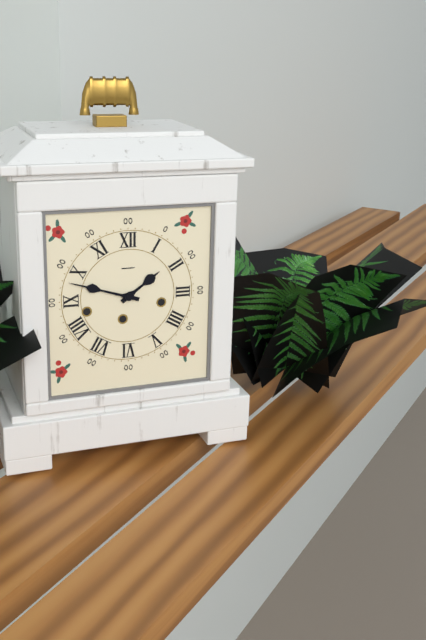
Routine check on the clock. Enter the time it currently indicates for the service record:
1:48
